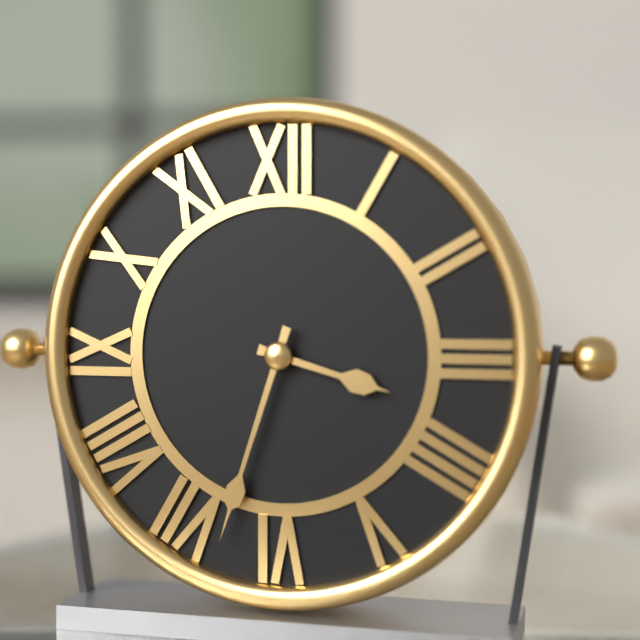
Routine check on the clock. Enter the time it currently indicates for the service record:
3:33
